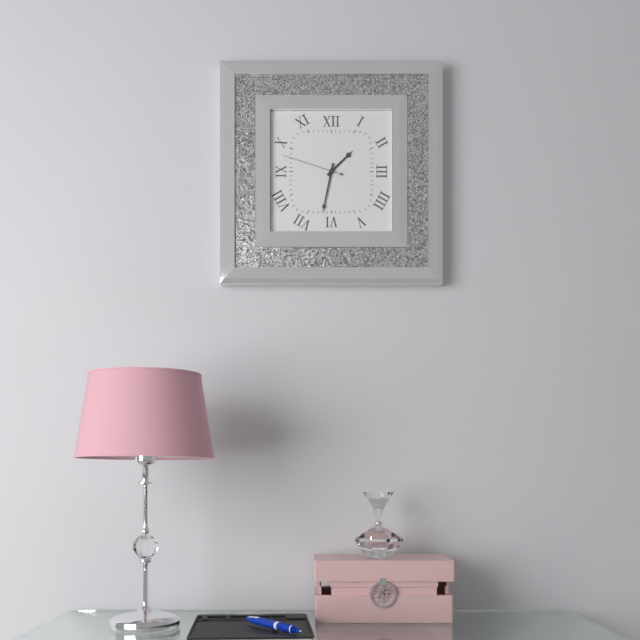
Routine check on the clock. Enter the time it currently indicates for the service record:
1:32:48
